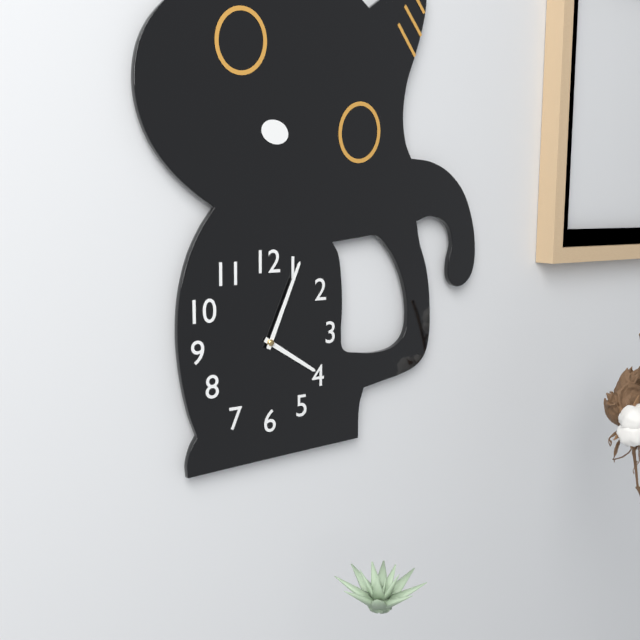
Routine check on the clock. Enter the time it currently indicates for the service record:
4:04
